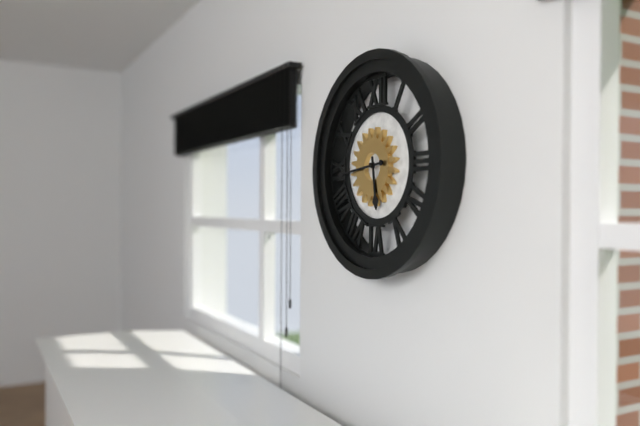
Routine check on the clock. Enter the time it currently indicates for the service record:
5:44
